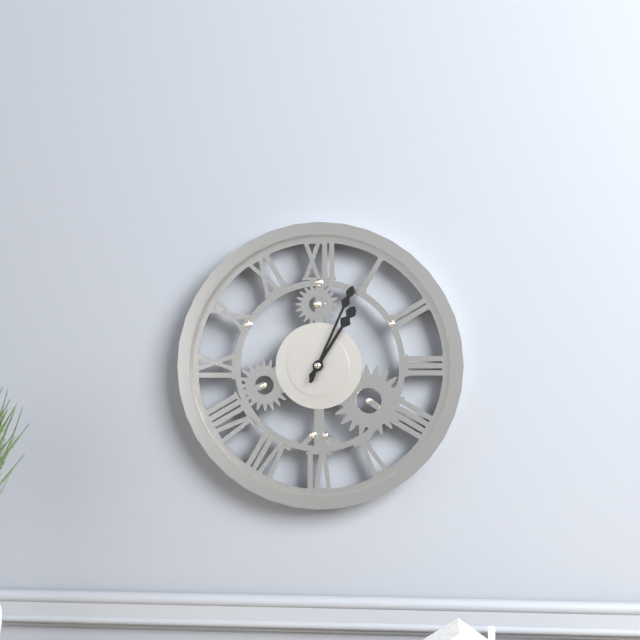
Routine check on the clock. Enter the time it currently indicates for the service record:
1:04
